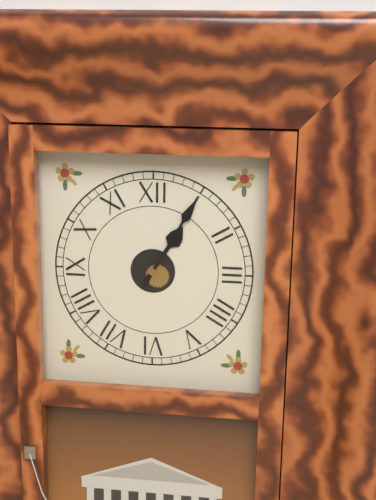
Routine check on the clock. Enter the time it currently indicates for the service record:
1:05
